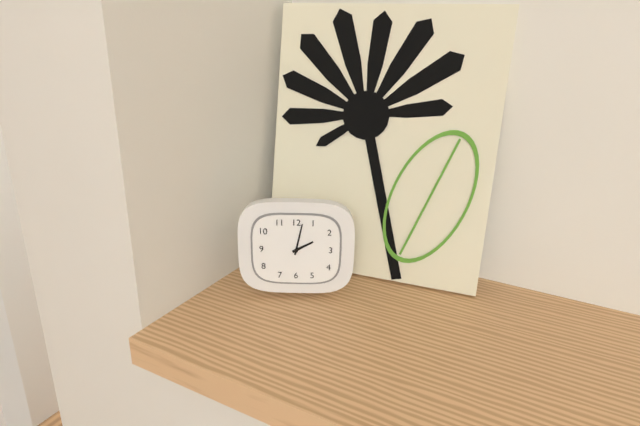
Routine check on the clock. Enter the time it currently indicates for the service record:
2:02
